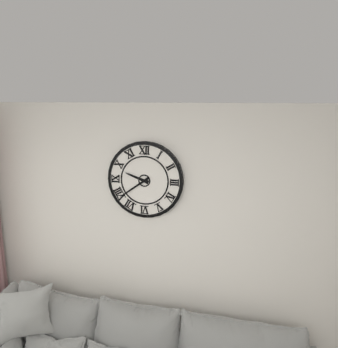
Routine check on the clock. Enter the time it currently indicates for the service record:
9:39
